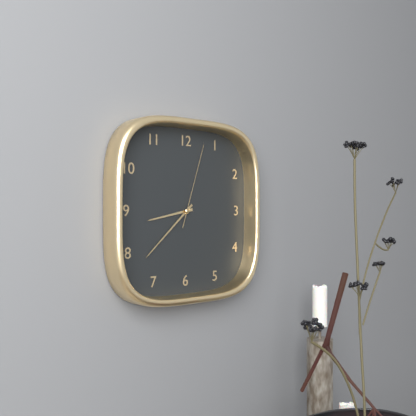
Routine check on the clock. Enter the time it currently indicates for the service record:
8:38:03
